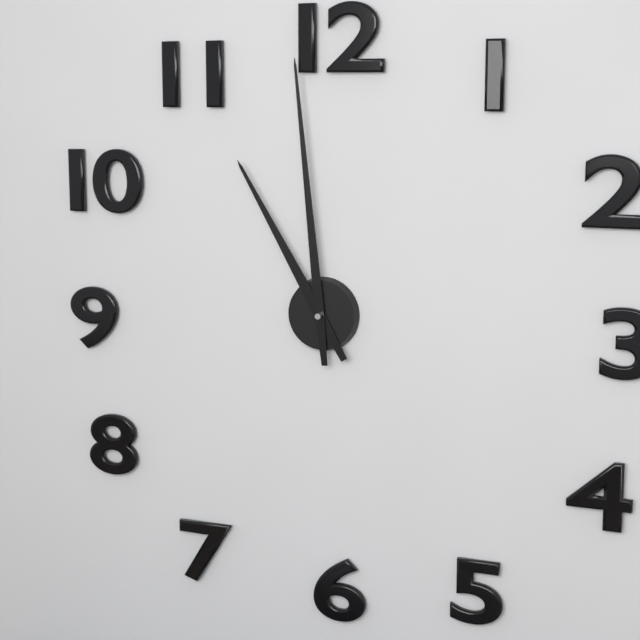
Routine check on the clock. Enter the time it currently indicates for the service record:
10:59
